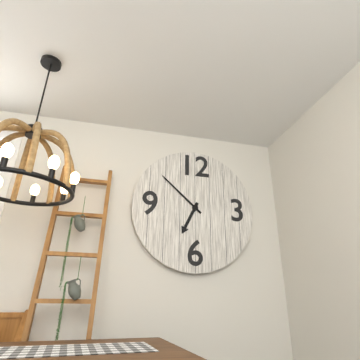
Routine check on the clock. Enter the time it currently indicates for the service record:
6:52
